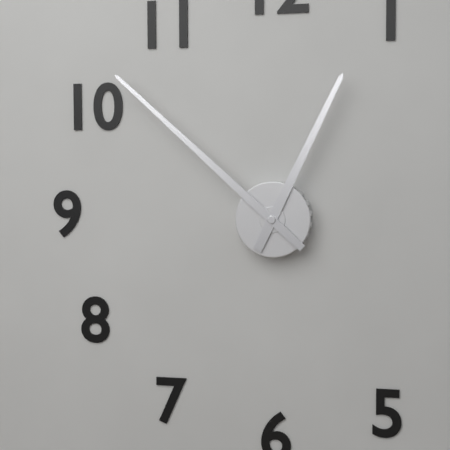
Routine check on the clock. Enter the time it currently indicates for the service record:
12:52
